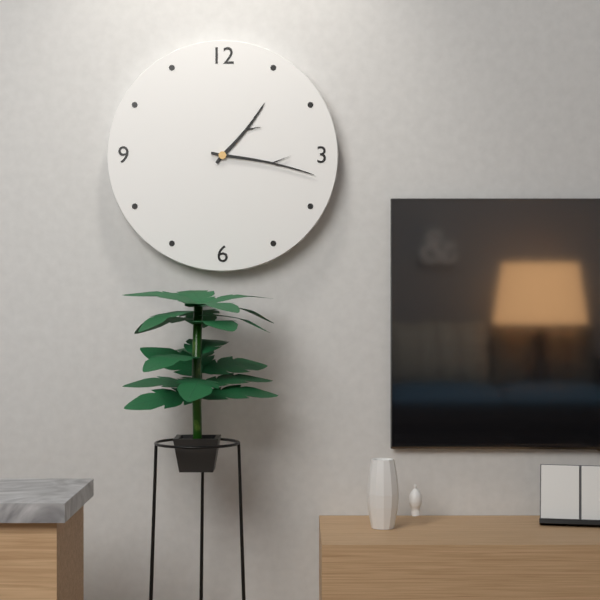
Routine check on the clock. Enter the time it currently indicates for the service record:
1:17
